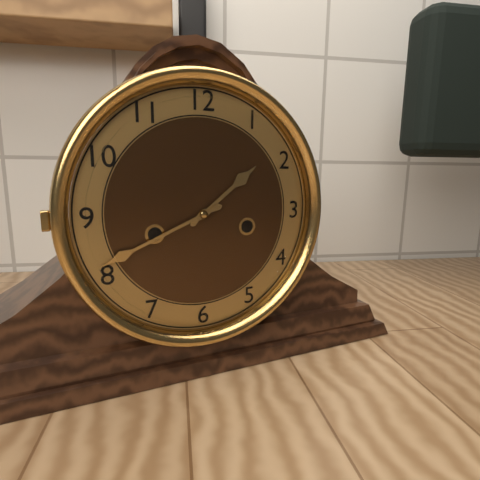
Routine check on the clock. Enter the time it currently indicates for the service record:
1:41
